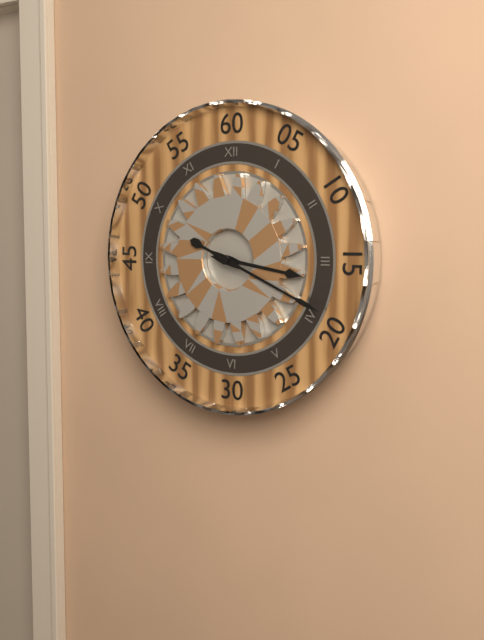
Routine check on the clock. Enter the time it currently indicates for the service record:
3:19
